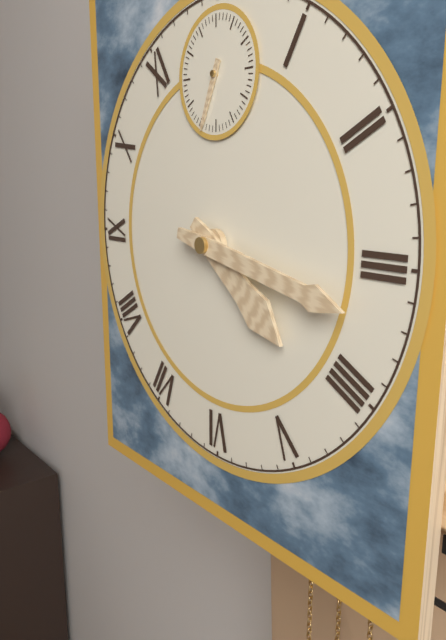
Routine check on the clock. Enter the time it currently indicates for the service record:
4:17:34
